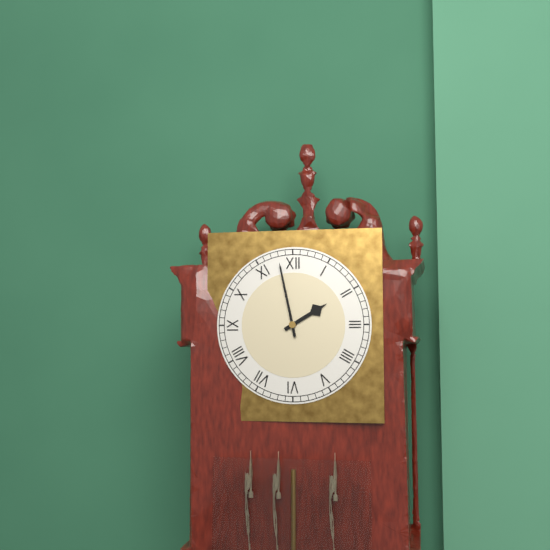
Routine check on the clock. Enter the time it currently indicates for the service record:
1:58
